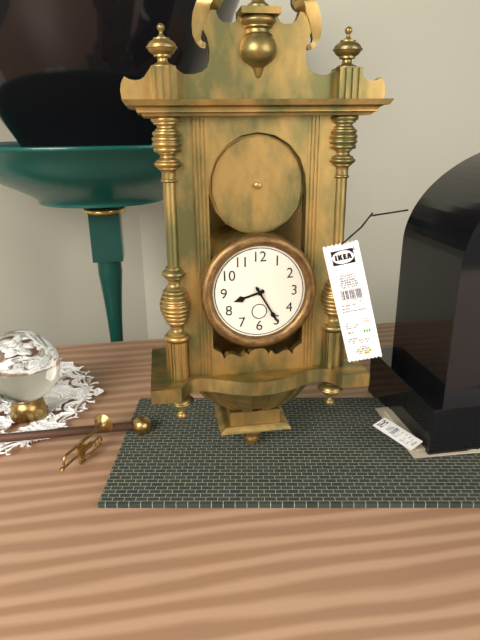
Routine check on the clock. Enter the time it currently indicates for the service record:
8:25
